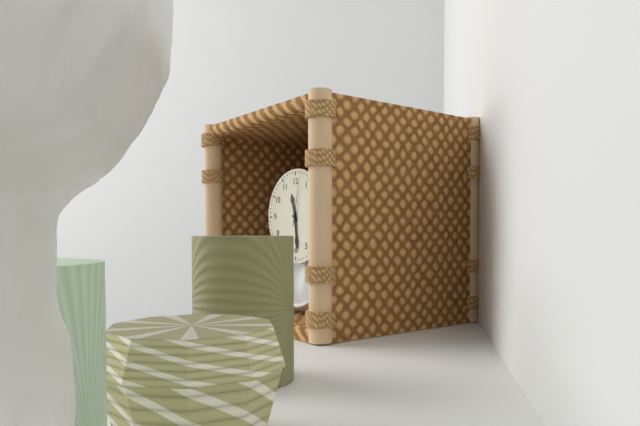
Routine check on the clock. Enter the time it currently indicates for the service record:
11:29
